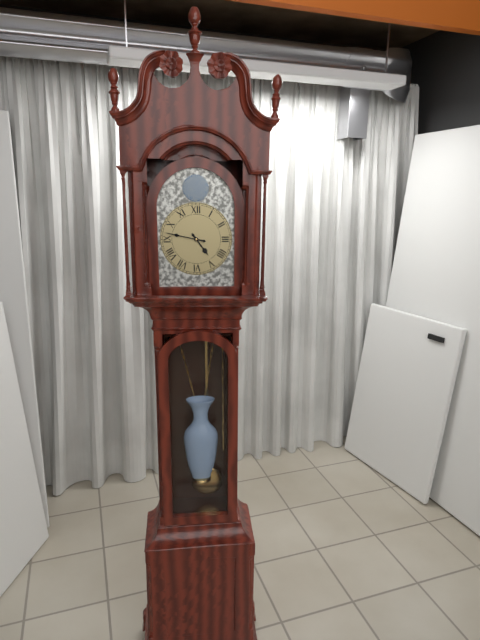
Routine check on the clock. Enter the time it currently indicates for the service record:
4:47
